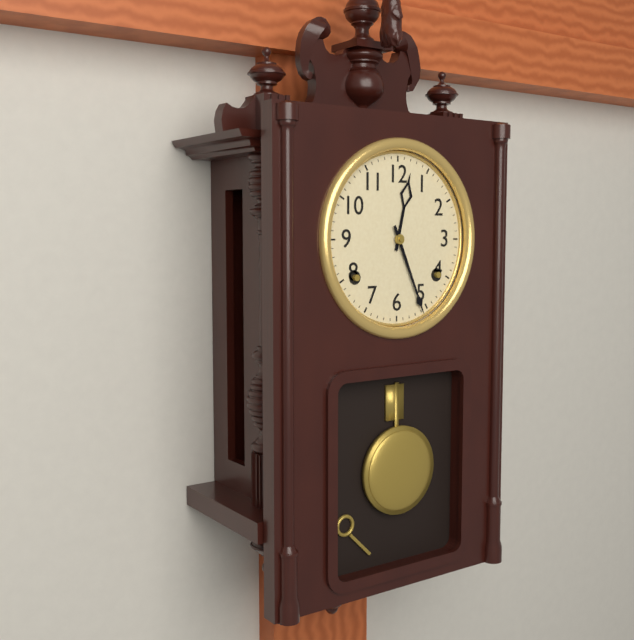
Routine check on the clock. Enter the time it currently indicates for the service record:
12:26
